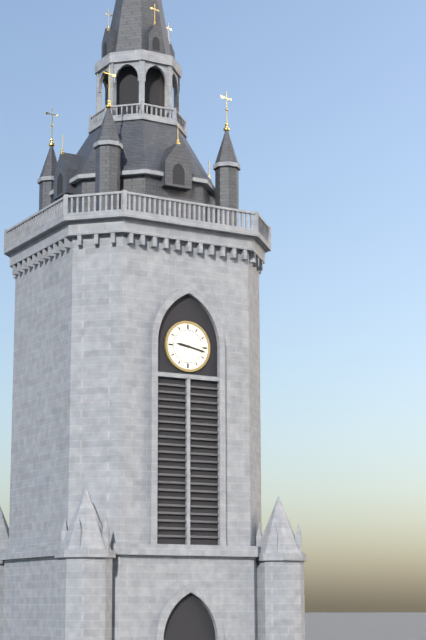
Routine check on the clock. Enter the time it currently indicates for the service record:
9:17
